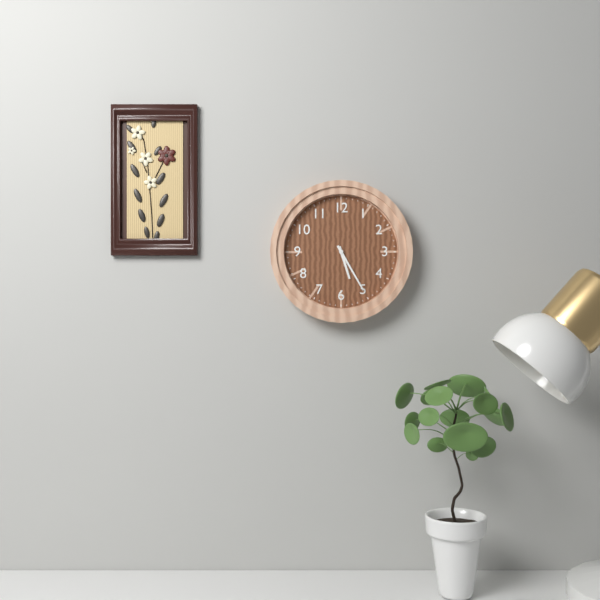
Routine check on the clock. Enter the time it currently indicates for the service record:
5:25
